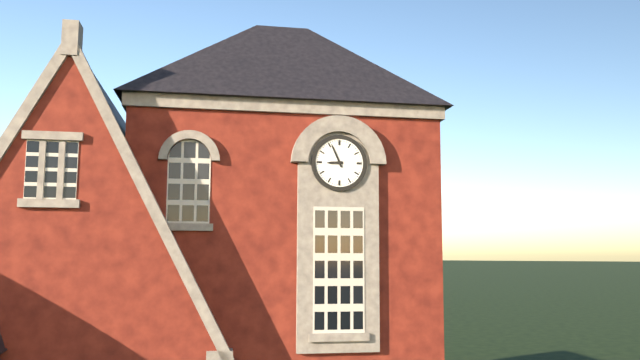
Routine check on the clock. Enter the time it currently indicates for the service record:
8:56
